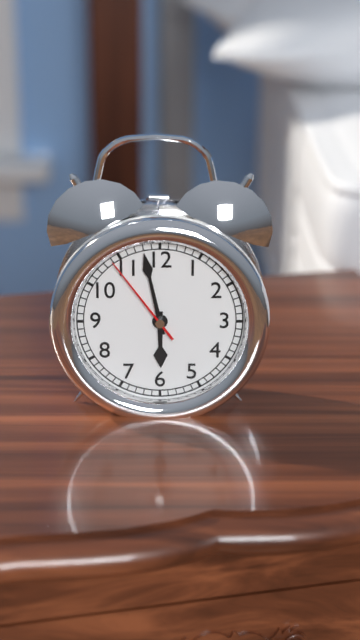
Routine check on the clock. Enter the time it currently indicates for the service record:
5:58:54
